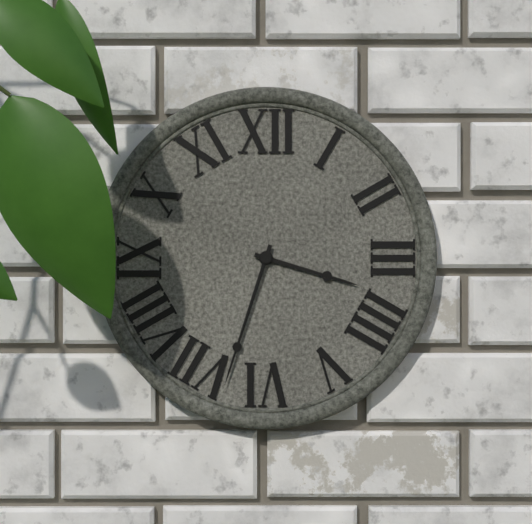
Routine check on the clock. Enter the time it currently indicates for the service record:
3:33
